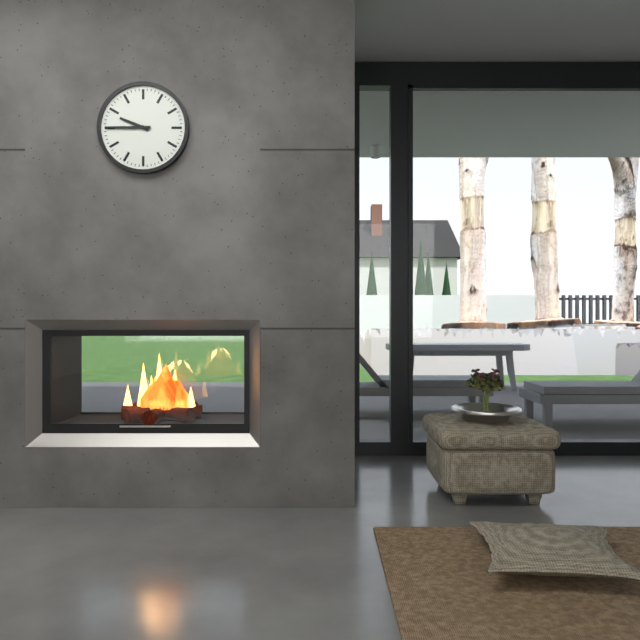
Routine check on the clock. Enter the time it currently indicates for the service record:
9:45
